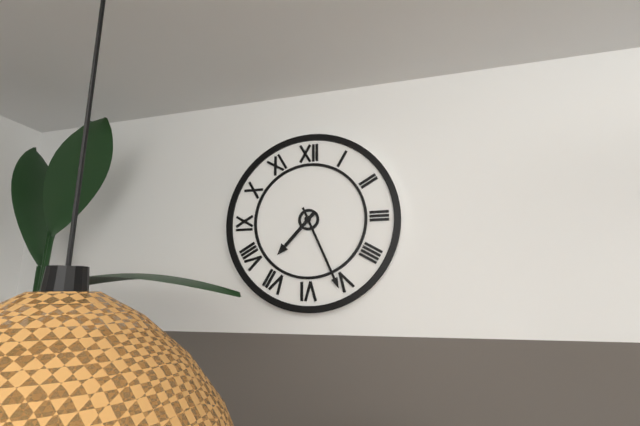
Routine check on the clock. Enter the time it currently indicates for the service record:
7:26
